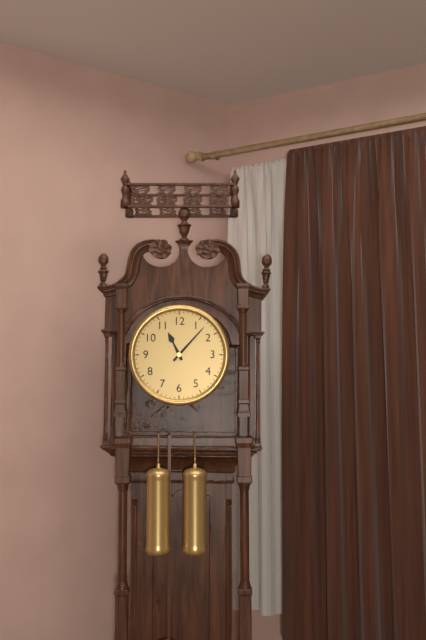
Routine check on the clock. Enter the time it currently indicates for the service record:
11:07
